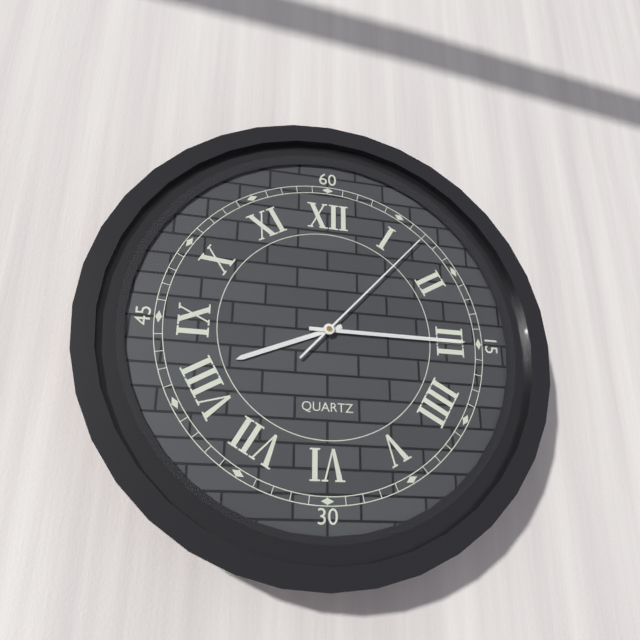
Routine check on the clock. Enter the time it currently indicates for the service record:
8:15:07
